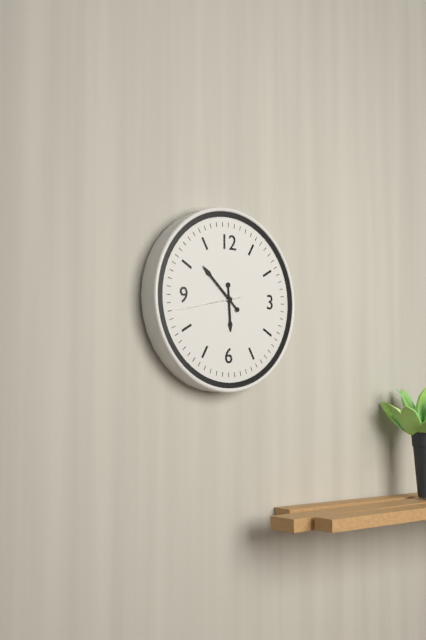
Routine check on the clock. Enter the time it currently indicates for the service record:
5:52
